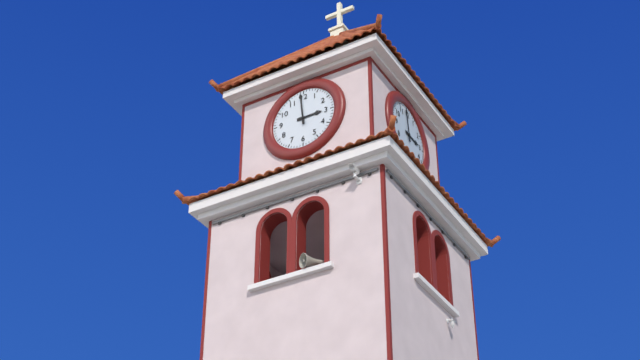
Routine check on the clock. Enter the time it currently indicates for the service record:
2:59
